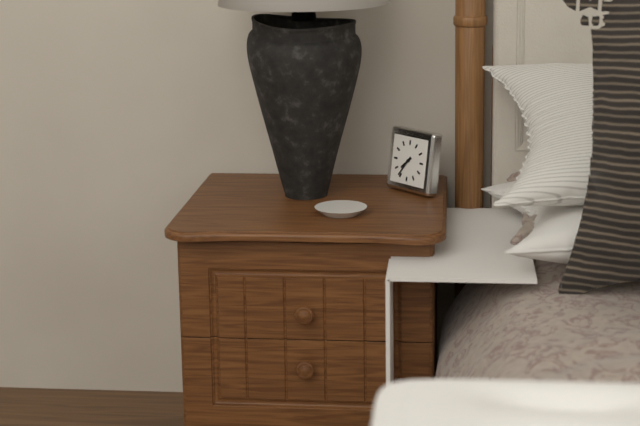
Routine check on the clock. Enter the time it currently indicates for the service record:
7:36
